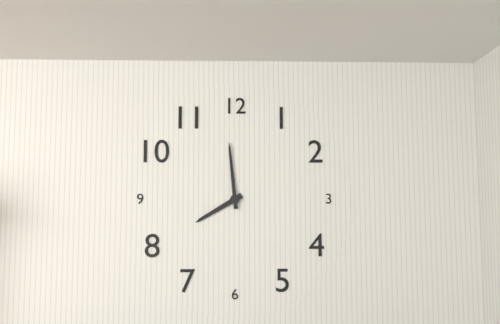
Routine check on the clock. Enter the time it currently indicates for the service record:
7:59
